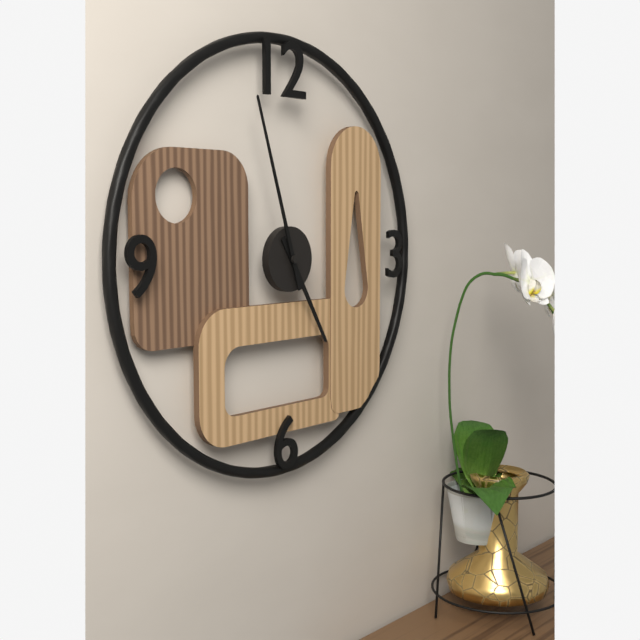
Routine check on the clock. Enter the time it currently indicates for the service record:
4:57
